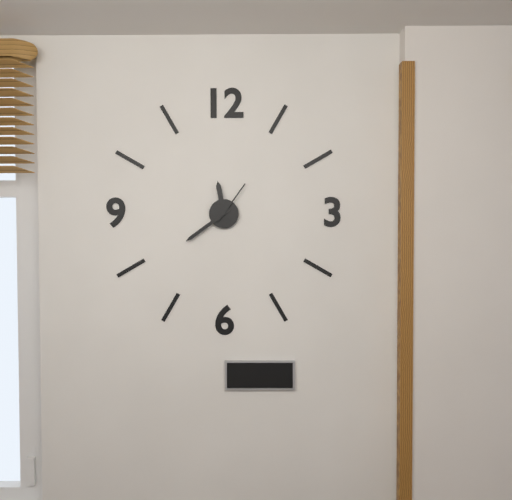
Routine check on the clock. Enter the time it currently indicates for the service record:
11:39
